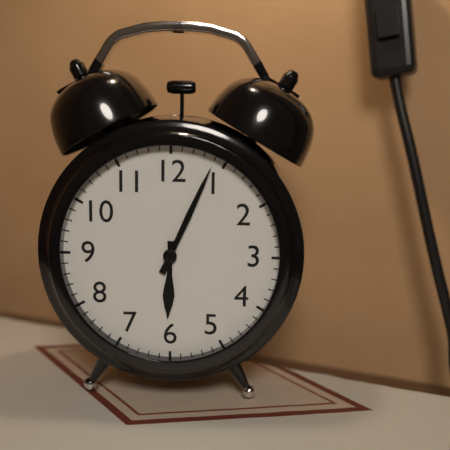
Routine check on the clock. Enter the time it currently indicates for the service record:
6:04
